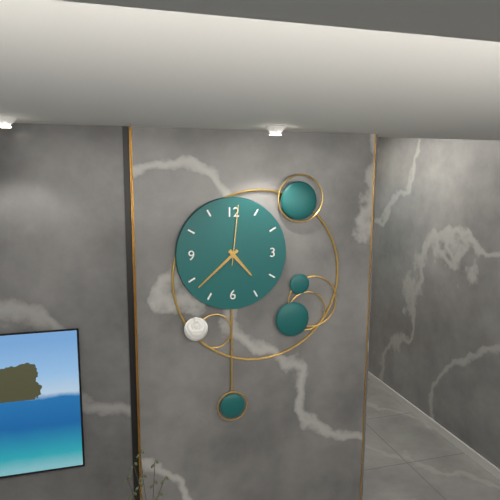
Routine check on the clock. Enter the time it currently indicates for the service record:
4:38:01
